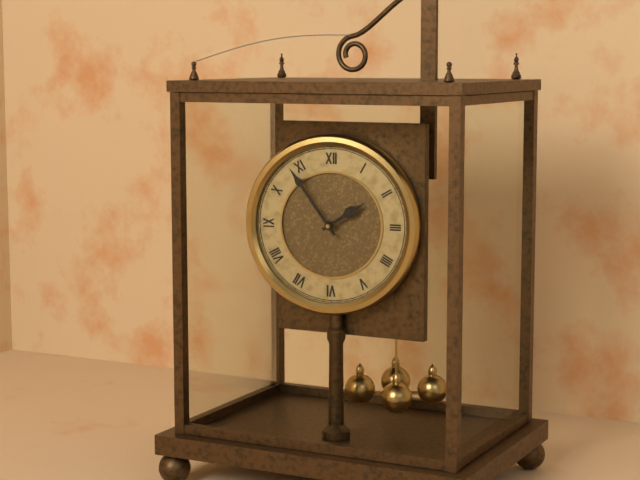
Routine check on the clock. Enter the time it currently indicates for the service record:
1:54
